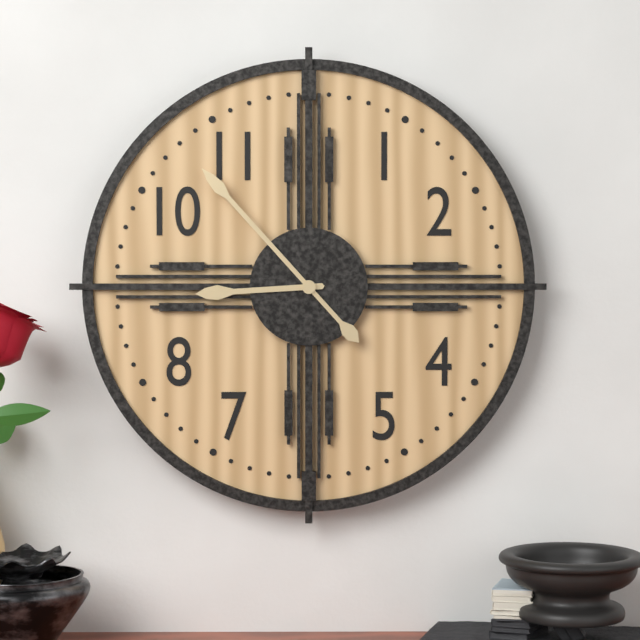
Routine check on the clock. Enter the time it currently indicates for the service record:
8:53
